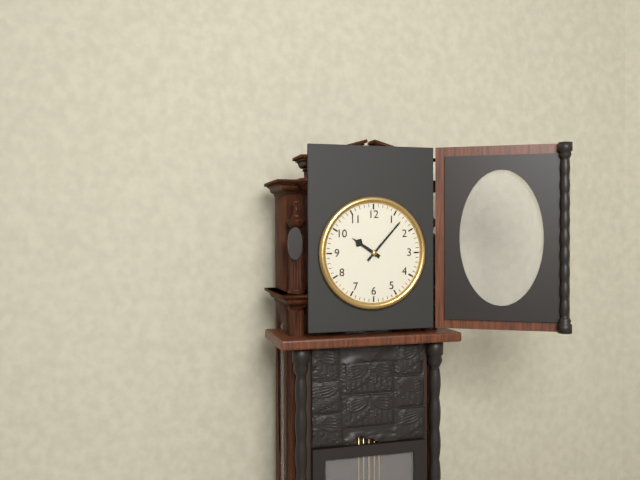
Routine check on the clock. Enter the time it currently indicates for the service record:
10:07
